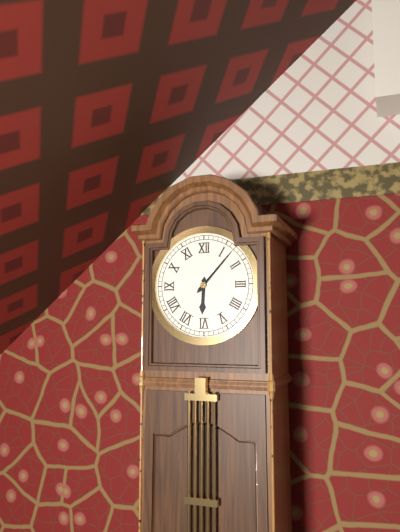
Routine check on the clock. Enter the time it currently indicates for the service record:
6:07
